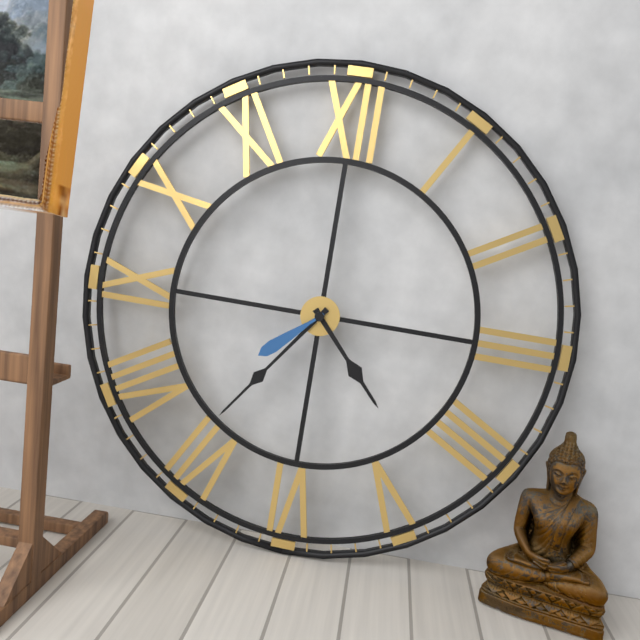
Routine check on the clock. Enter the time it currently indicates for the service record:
4:36:38
